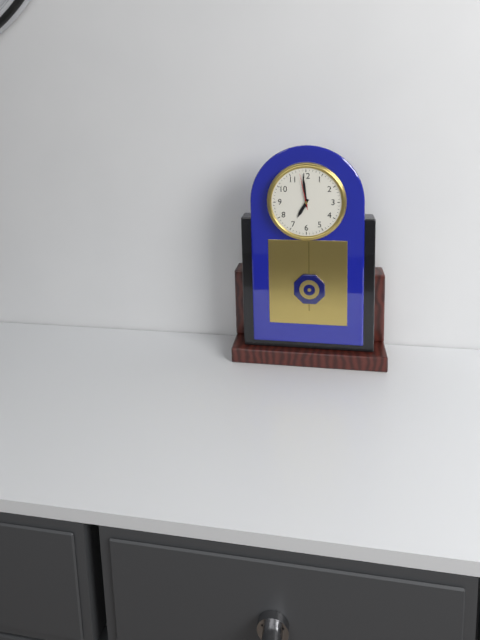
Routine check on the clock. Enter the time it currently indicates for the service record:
6:59
